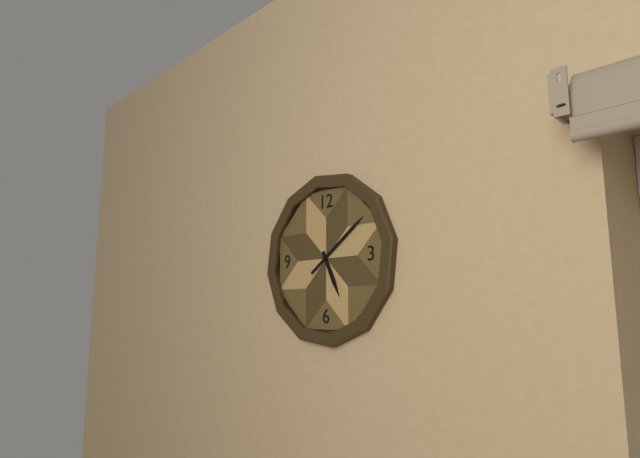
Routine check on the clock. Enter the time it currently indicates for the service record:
5:09
